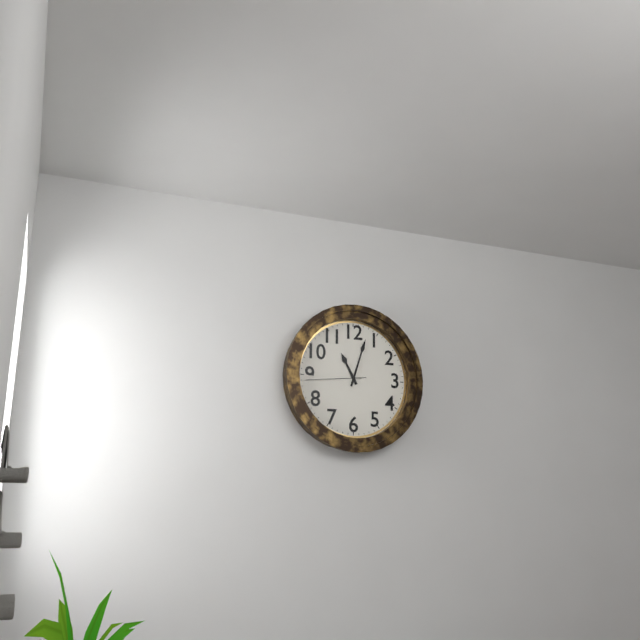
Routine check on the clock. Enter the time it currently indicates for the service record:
11:03:44
